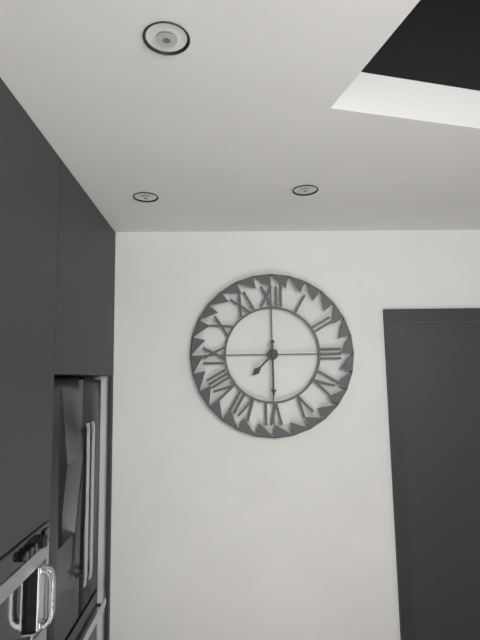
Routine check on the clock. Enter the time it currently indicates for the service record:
7:30
